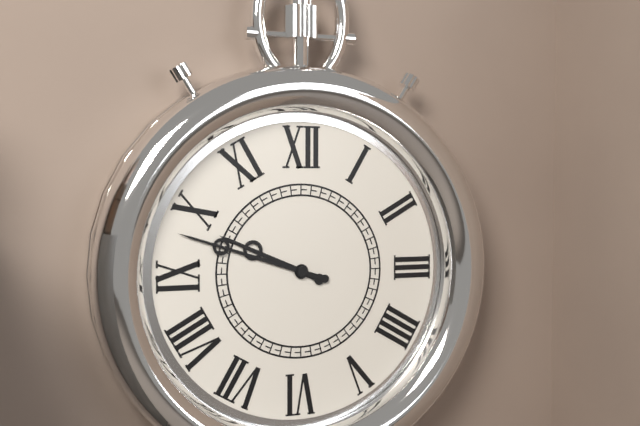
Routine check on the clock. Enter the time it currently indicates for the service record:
9:48
